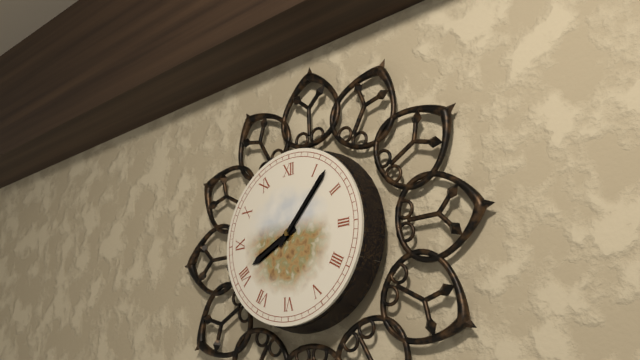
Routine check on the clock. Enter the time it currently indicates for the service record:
8:07
